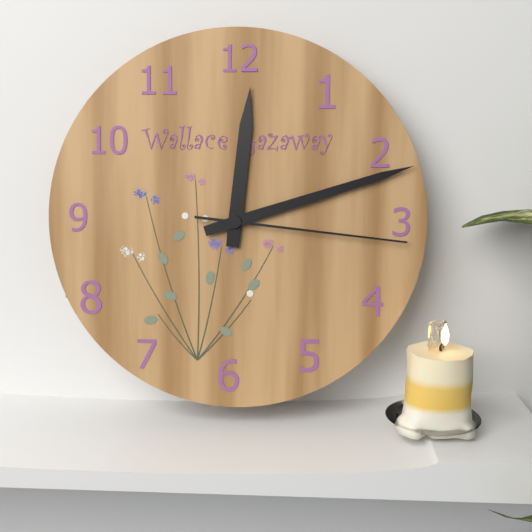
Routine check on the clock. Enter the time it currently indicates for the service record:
12:12:16
